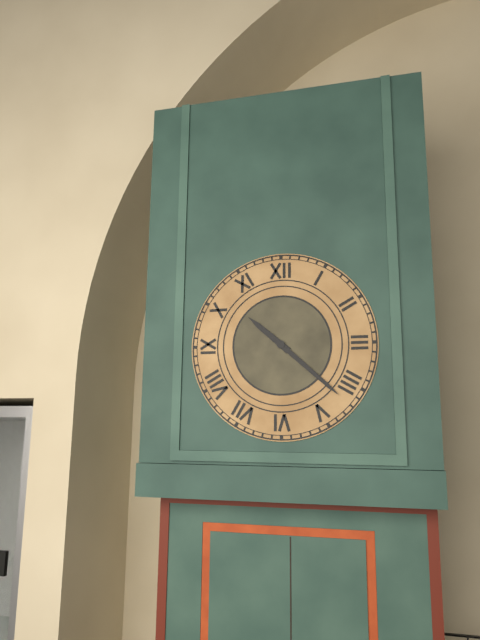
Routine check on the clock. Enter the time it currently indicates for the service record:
10:22
